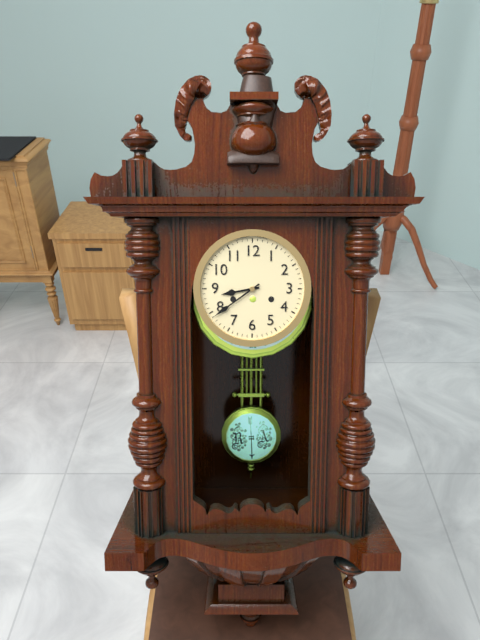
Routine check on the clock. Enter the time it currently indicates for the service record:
8:39
